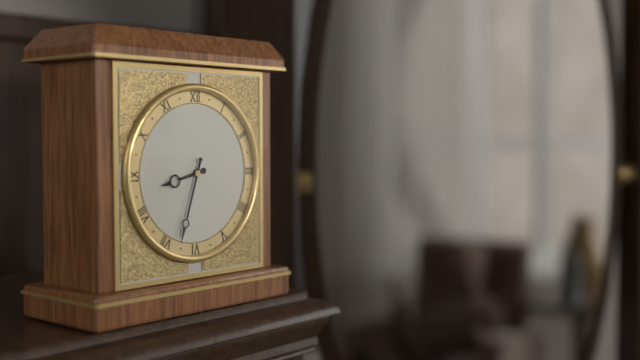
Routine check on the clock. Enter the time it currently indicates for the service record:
8:33
